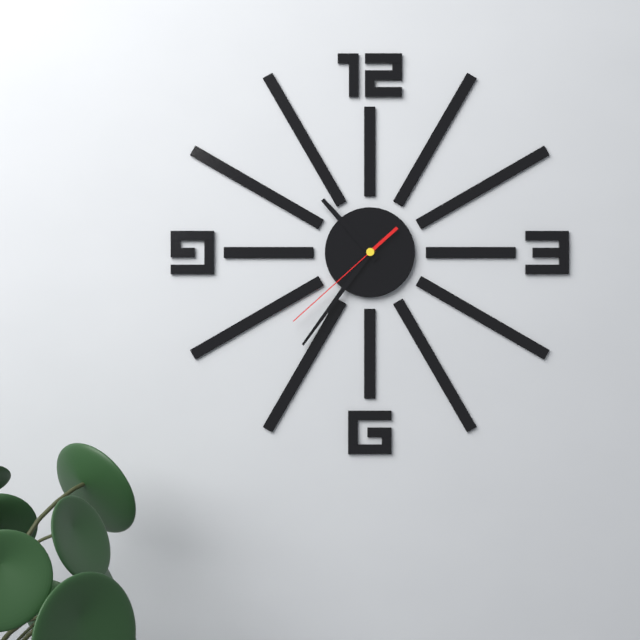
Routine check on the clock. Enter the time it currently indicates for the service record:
10:36:38
